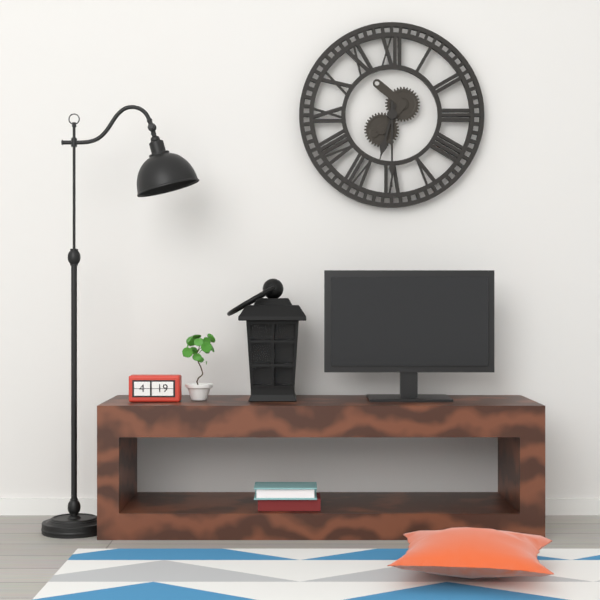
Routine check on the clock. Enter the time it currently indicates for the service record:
6:30
